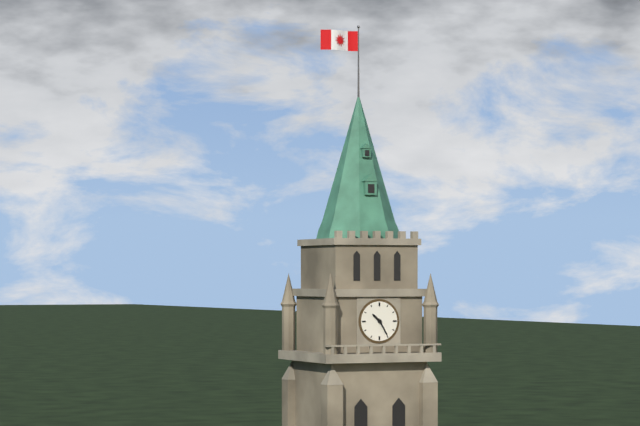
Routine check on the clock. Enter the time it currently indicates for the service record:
10:25
